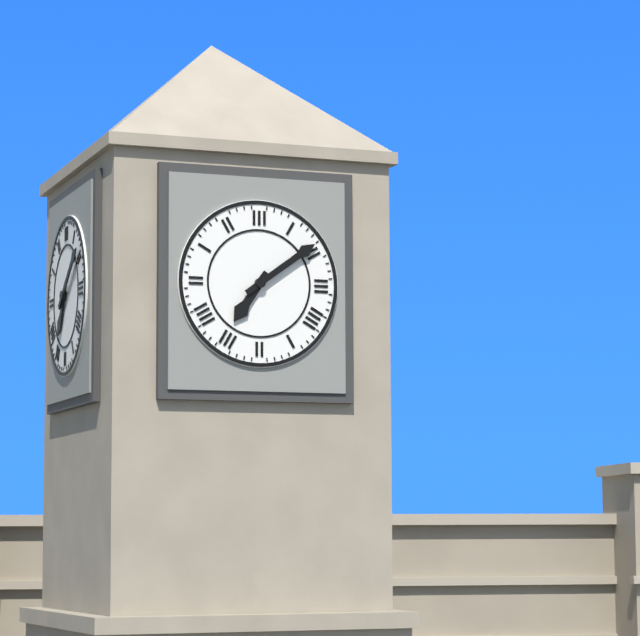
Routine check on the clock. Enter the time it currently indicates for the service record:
7:09
